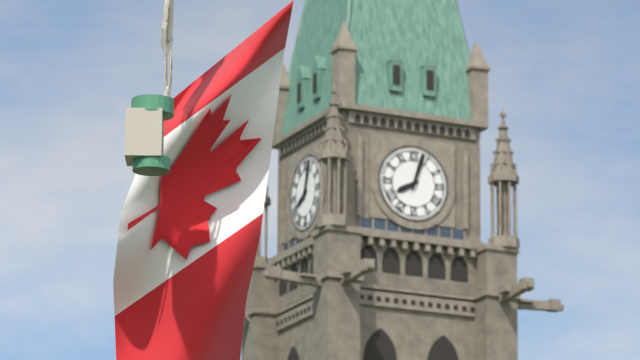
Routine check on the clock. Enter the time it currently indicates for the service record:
8:03
